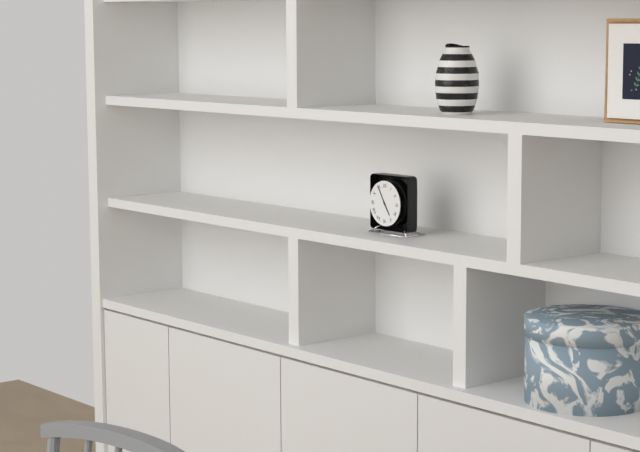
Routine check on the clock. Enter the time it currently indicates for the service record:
4:55
